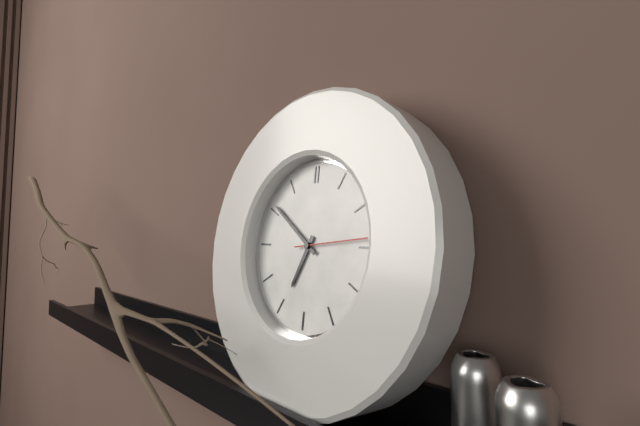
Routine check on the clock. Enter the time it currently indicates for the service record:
6:51:14
